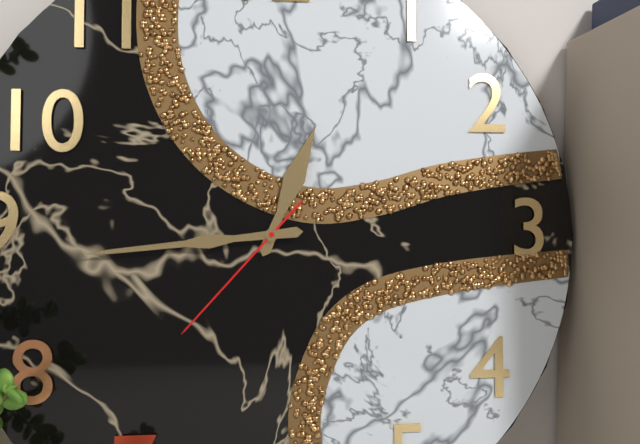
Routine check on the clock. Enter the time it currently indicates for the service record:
12:44:37
